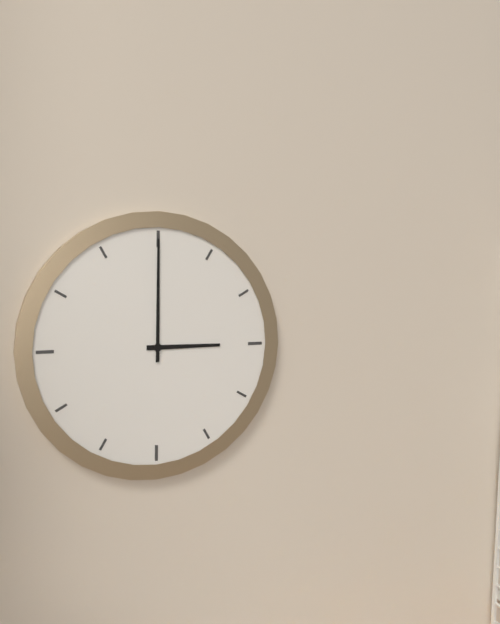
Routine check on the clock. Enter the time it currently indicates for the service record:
3:00
